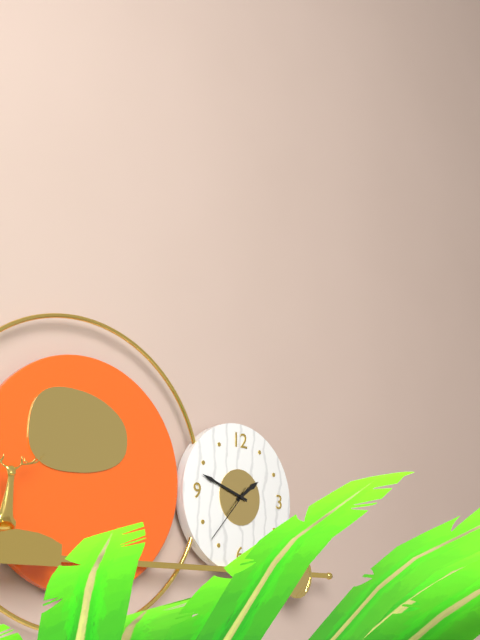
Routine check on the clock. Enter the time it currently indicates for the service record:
1:48:37
